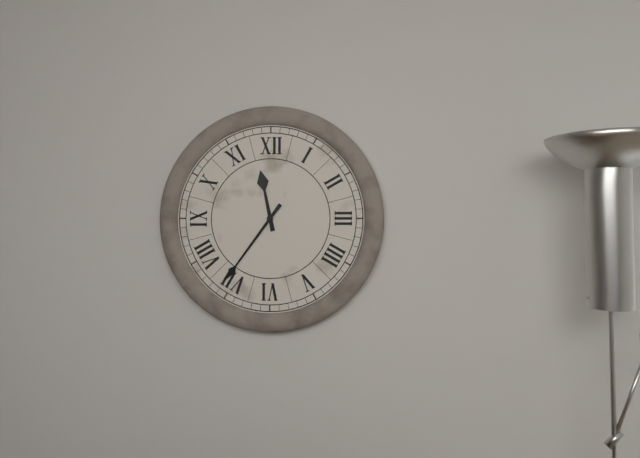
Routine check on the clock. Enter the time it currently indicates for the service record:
11:36
